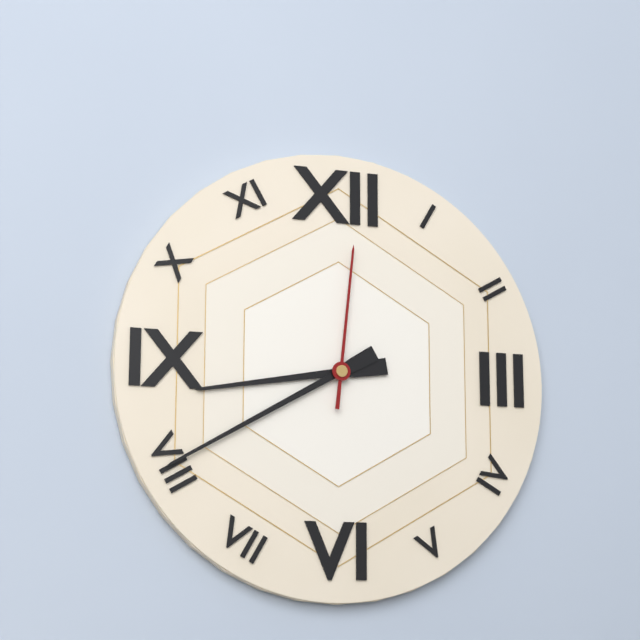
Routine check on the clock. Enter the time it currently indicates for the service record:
8:40:01
